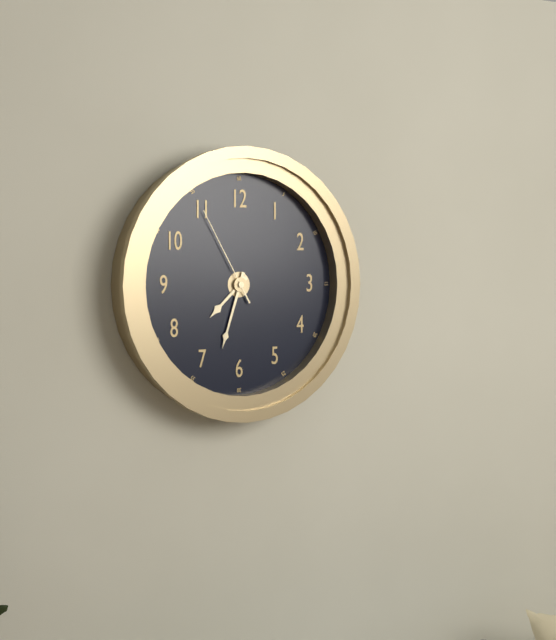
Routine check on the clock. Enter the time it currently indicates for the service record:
7:33:55
